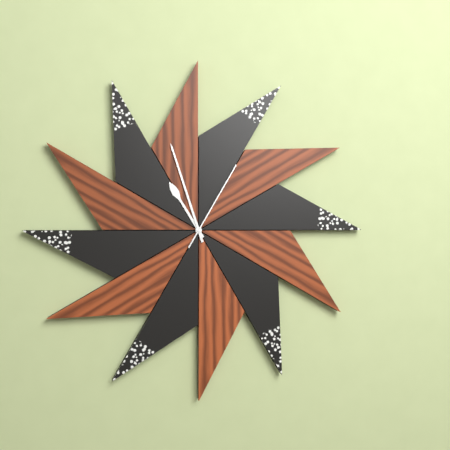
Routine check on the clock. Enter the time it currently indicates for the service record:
10:57:05
